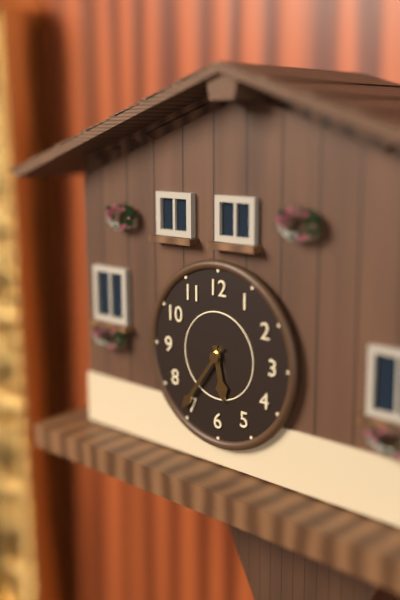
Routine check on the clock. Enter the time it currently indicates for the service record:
5:36
